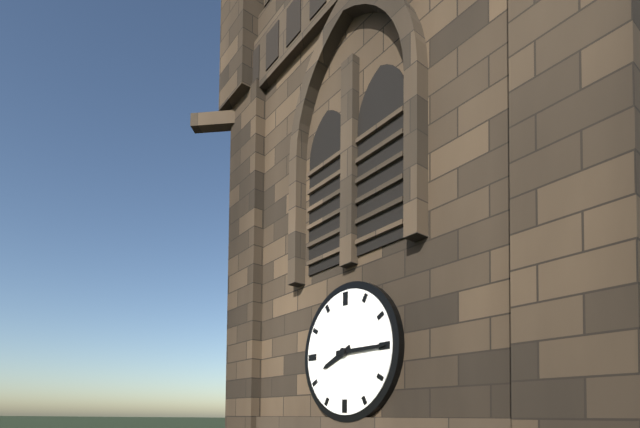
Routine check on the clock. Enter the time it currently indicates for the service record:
8:15
